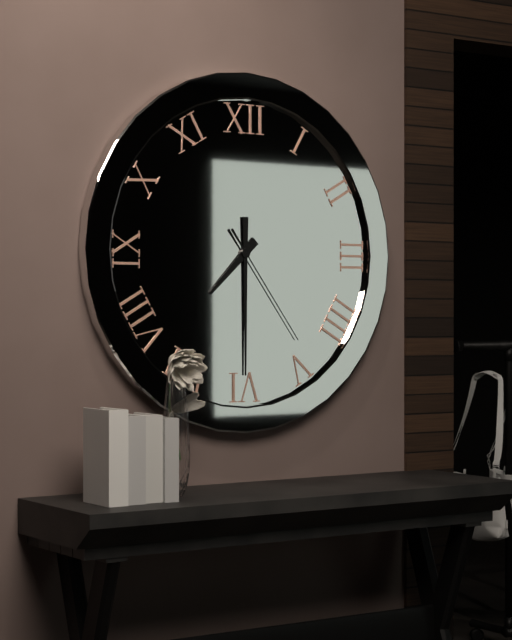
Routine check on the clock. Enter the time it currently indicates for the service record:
7:30:24
